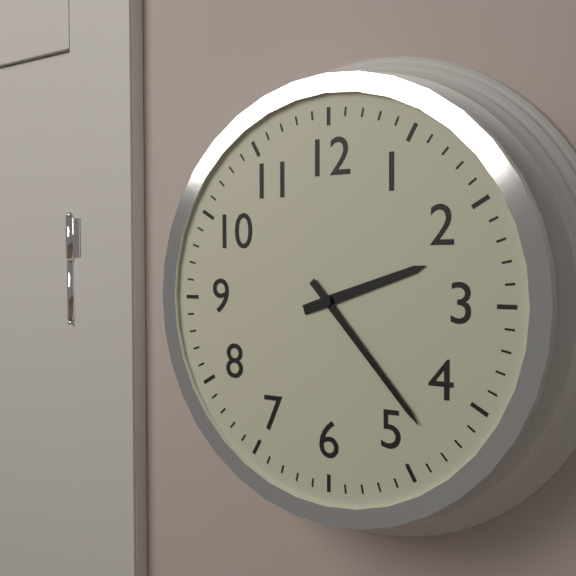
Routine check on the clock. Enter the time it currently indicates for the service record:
2:23
